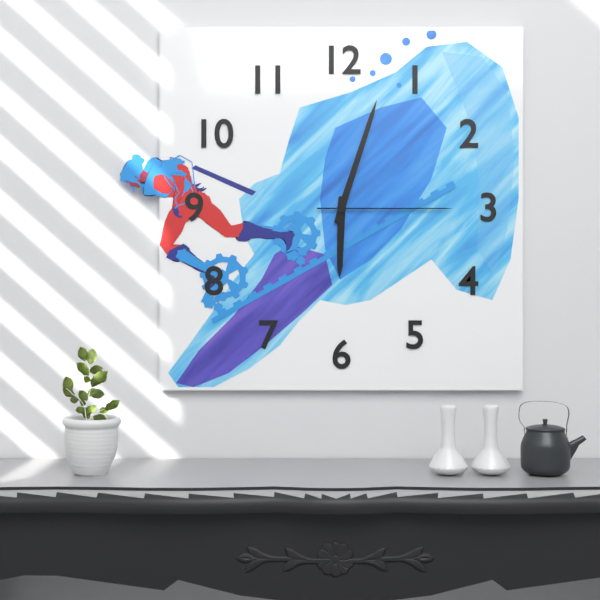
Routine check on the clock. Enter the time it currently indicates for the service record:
6:03:15
